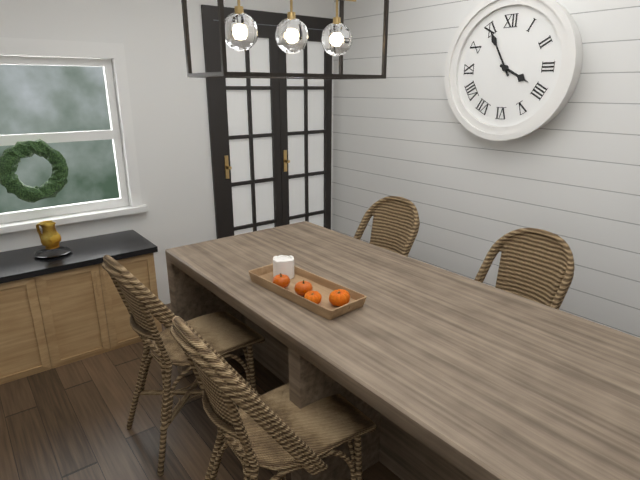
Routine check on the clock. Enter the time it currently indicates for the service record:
3:55
